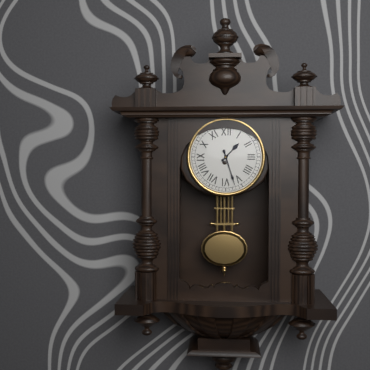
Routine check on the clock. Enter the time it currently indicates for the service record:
1:27
